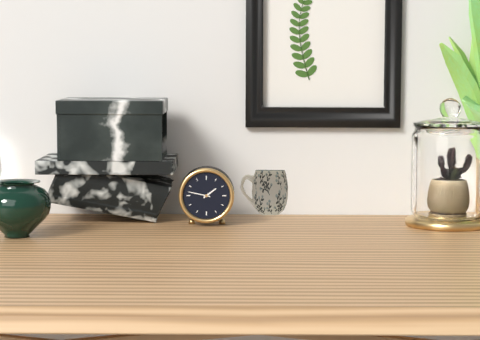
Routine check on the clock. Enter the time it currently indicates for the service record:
1:47
